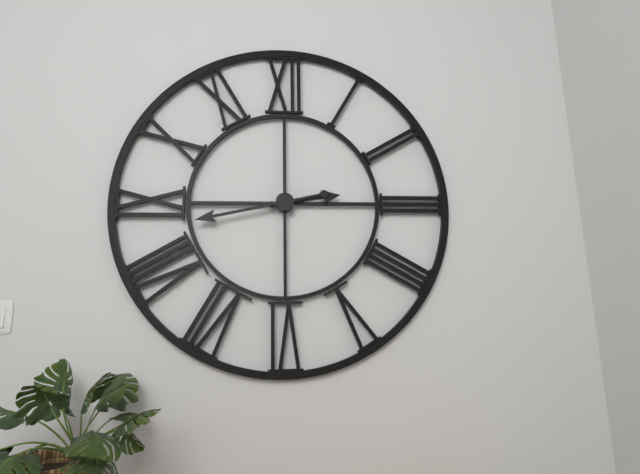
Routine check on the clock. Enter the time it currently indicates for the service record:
2:43
